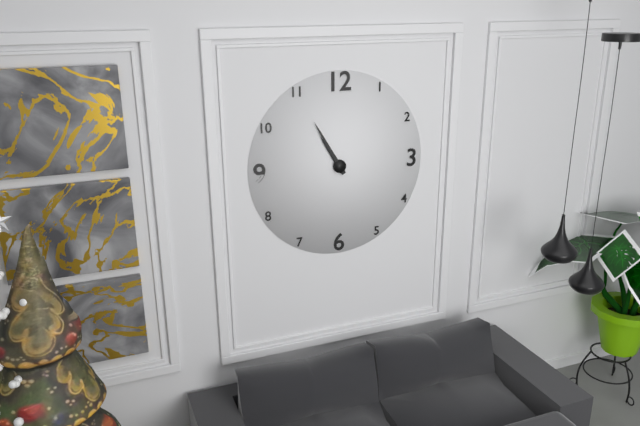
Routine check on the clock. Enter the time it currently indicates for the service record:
10:55
